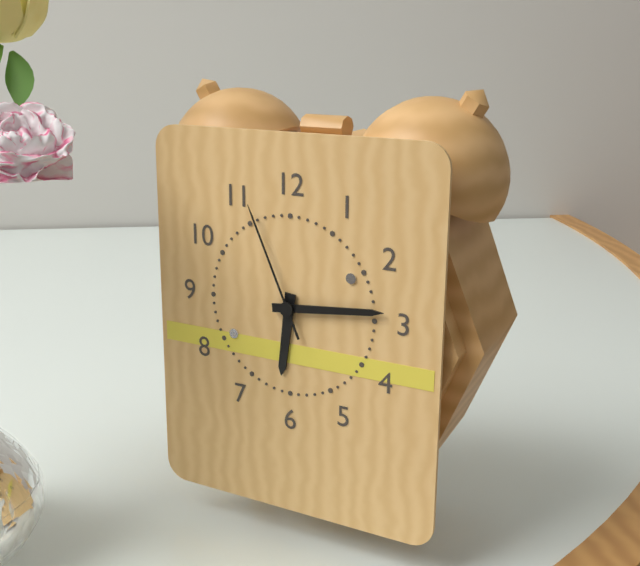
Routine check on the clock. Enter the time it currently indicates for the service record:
6:14:56
